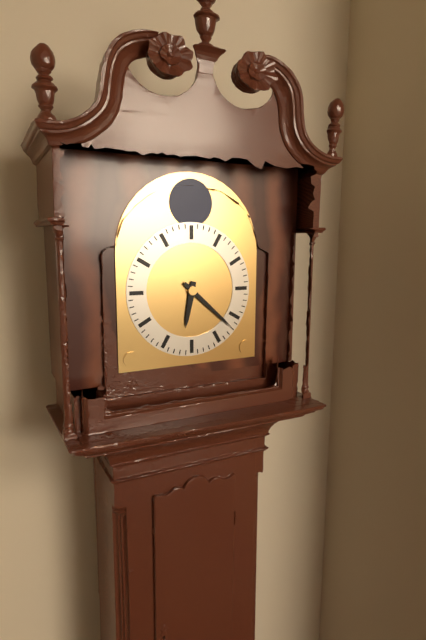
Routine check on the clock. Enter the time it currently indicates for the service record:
6:22
